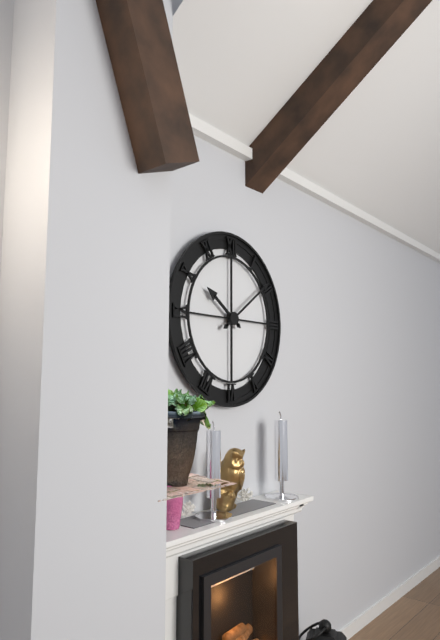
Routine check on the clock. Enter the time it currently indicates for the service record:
10:09
